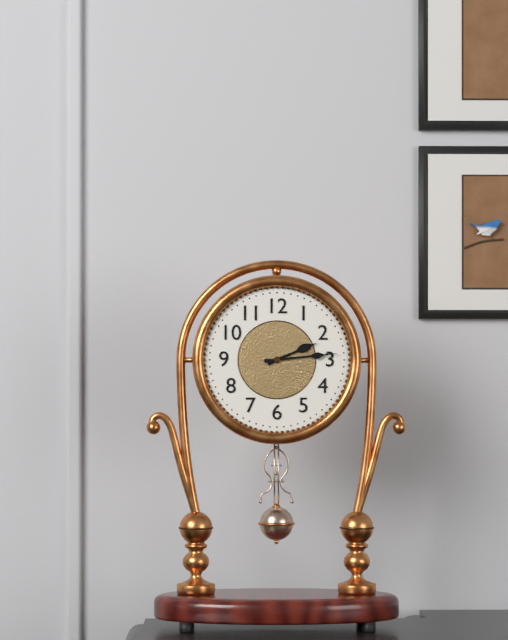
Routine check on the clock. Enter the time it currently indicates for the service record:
2:14
